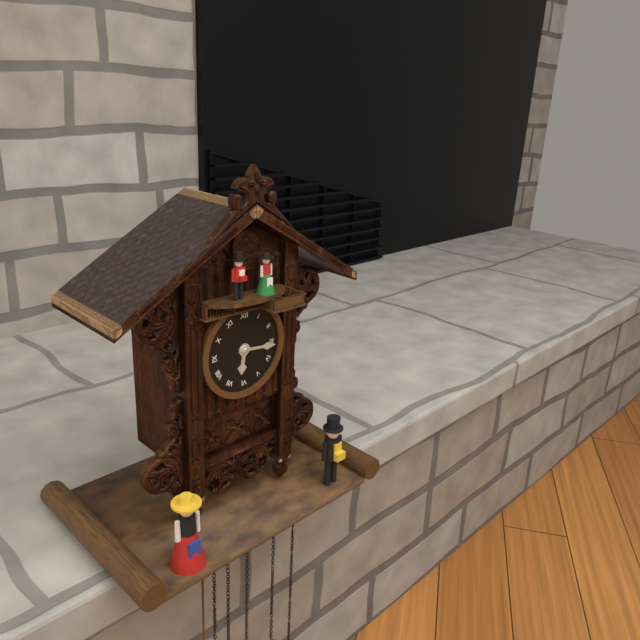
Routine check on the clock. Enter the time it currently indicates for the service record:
6:16
